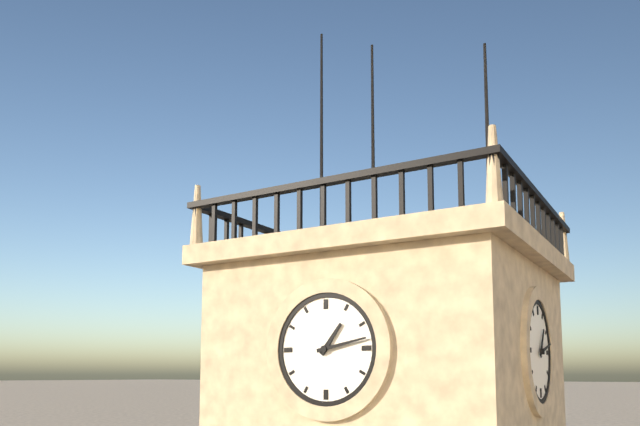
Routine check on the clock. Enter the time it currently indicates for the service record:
1:13
